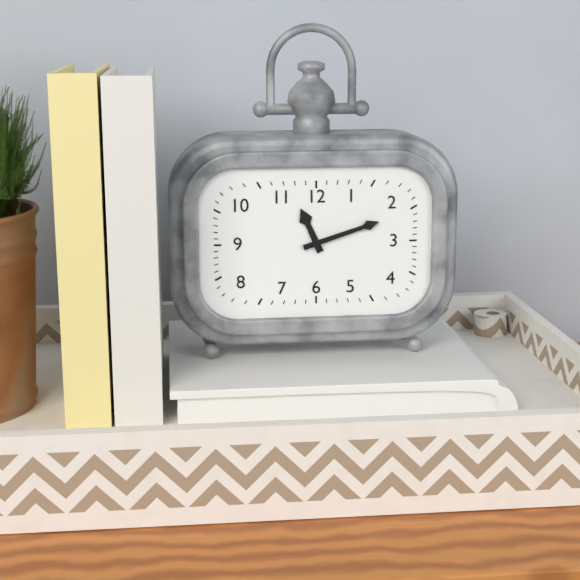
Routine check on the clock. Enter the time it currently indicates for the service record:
11:12
